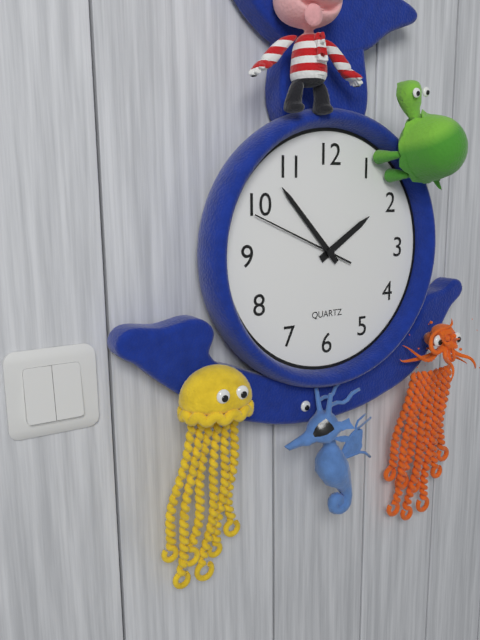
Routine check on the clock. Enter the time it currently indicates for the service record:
1:53:49
